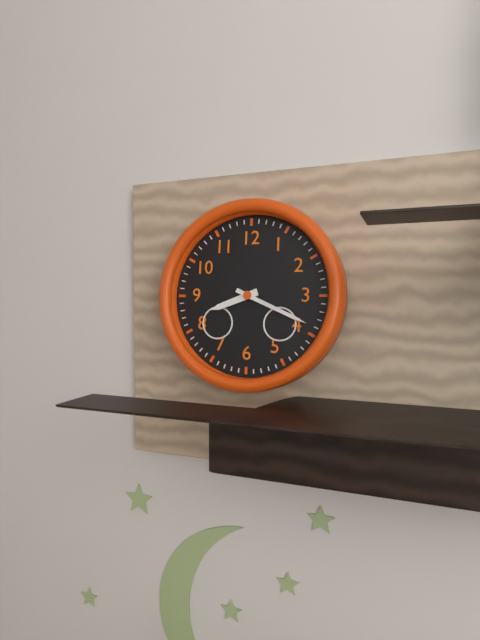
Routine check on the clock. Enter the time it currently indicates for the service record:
8:19
